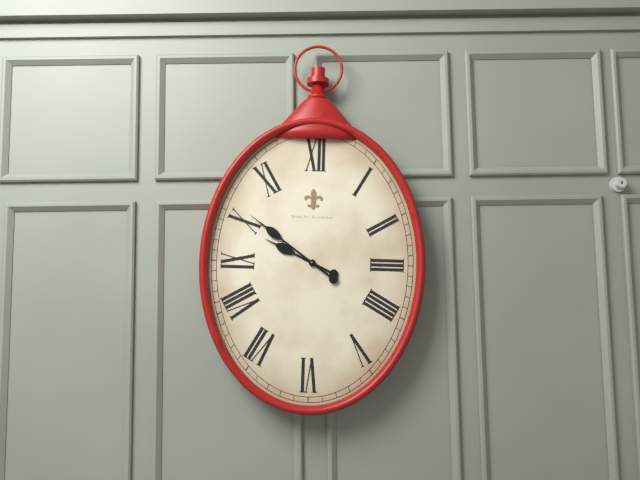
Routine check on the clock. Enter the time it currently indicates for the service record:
9:51
